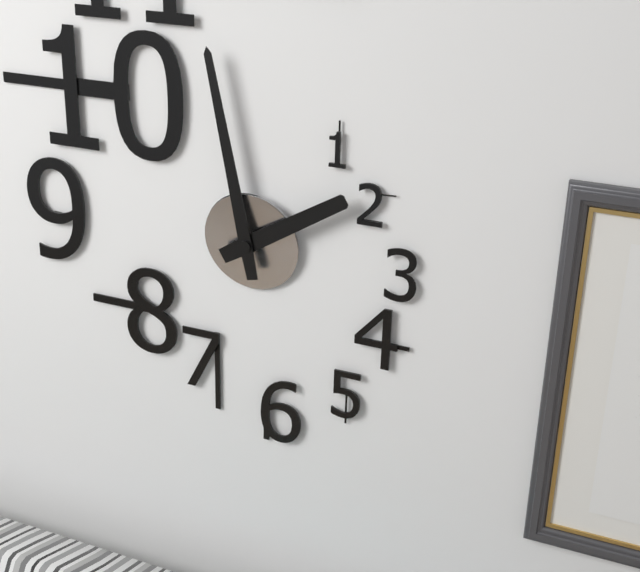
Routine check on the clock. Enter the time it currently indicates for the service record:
1:58
